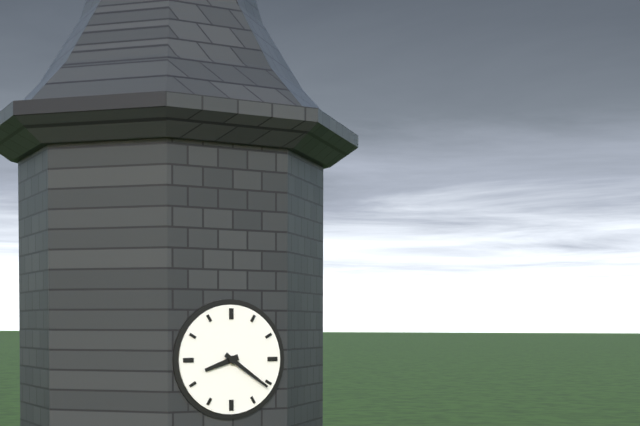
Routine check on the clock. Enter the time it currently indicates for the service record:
8:21
